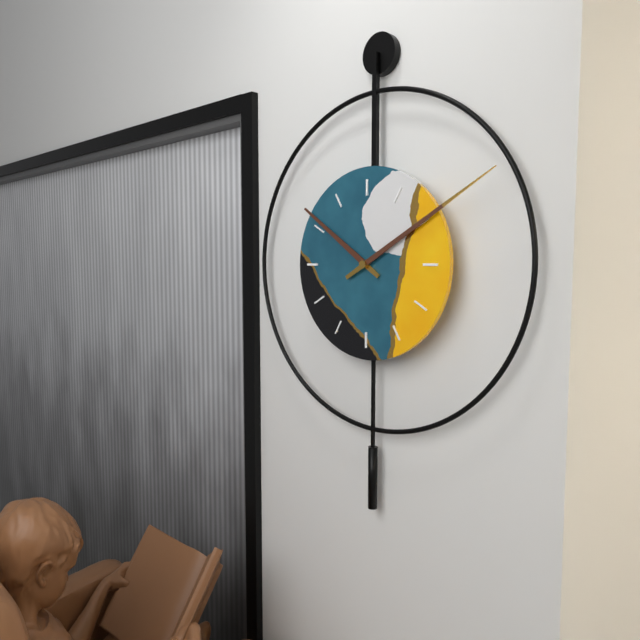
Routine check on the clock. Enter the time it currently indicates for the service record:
10:10
